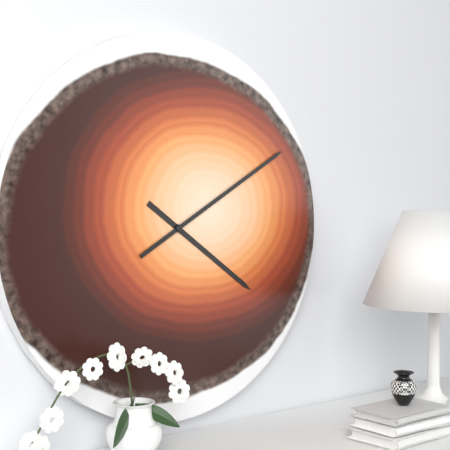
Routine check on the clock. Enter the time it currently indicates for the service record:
4:10
